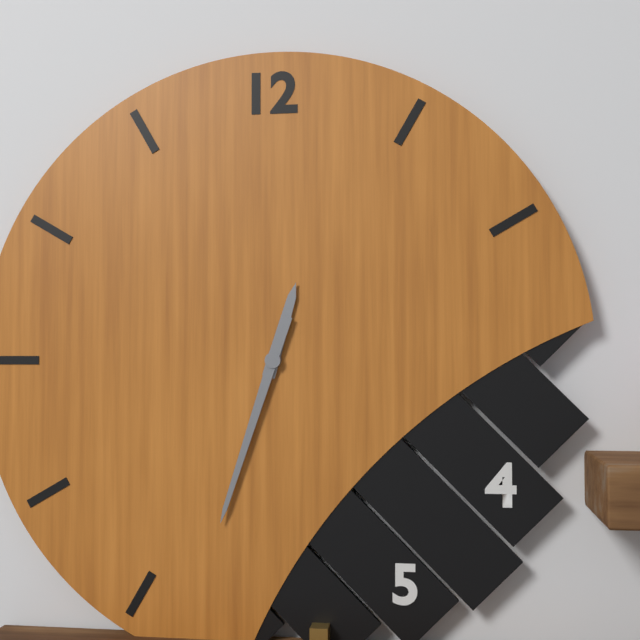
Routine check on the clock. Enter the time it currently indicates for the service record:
12:33
